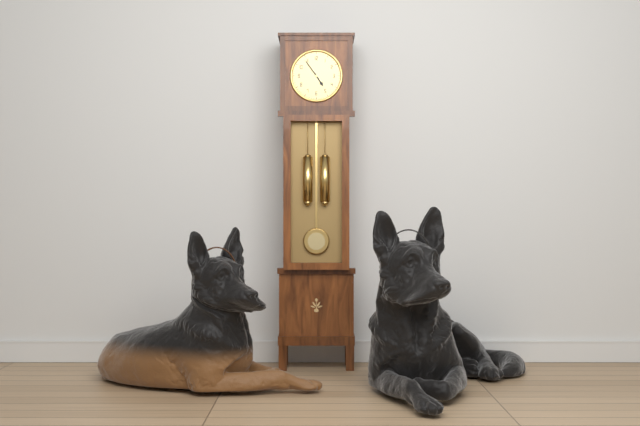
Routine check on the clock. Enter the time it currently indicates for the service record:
4:54
